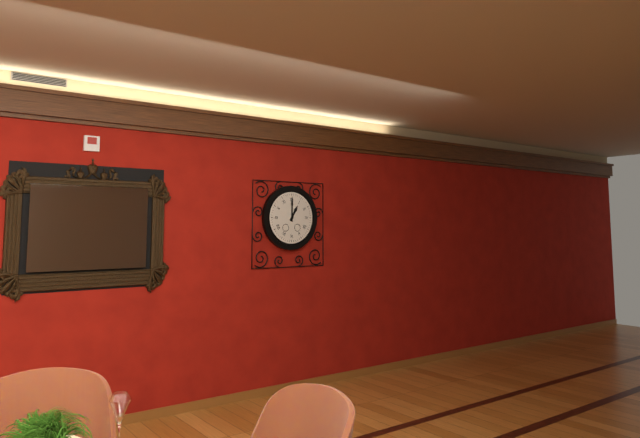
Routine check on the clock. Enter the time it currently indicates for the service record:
1:00
